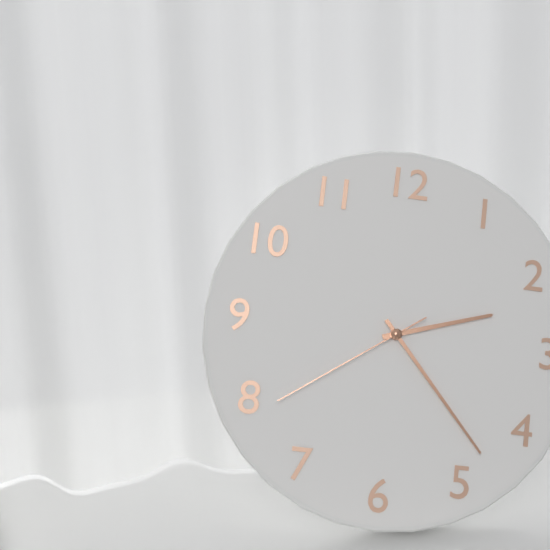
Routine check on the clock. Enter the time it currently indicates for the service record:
2:23:39
